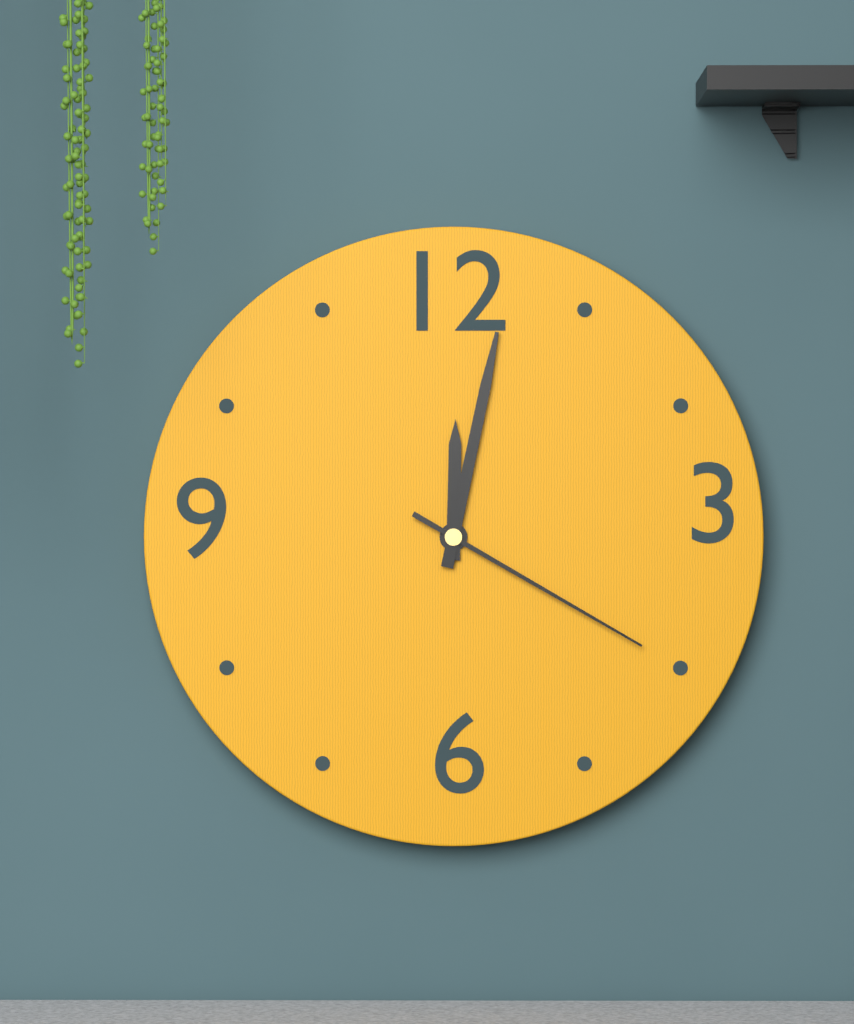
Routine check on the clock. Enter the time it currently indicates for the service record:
12:02:20
